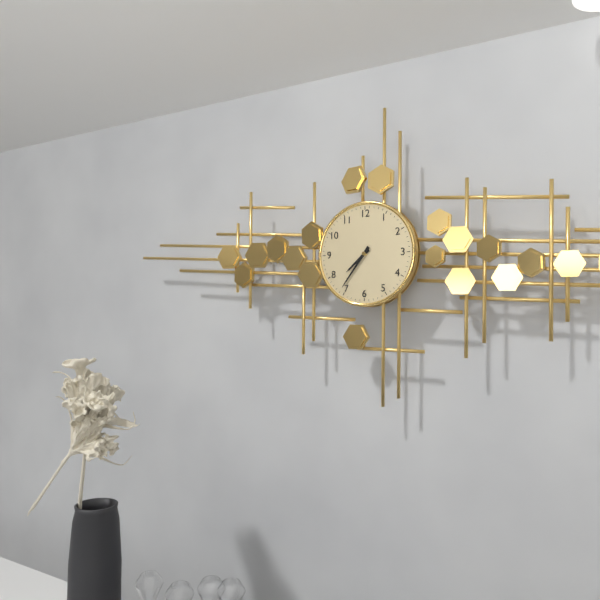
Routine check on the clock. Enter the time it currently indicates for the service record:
7:36
